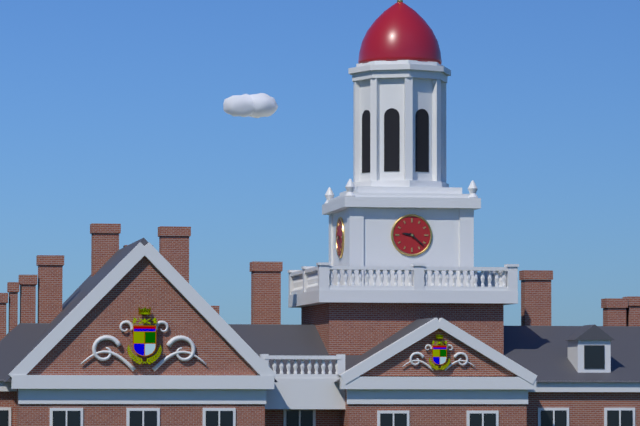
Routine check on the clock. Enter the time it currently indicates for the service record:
9:22
